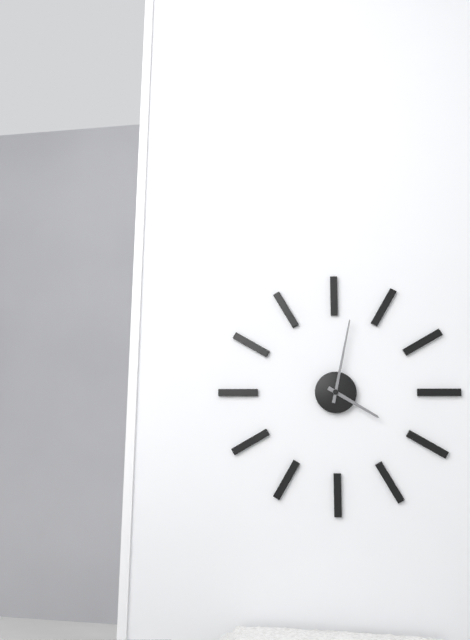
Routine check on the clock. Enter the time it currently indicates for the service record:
4:02
